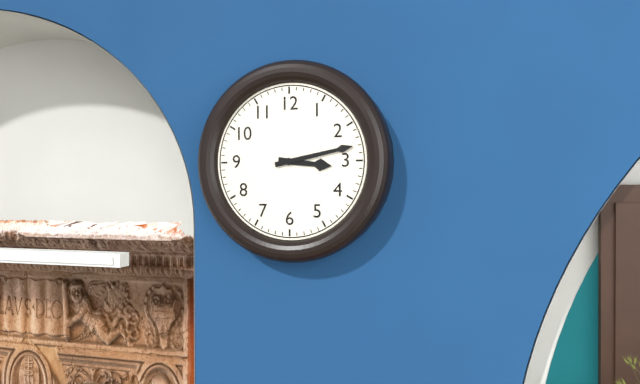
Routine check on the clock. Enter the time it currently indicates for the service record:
3:13
